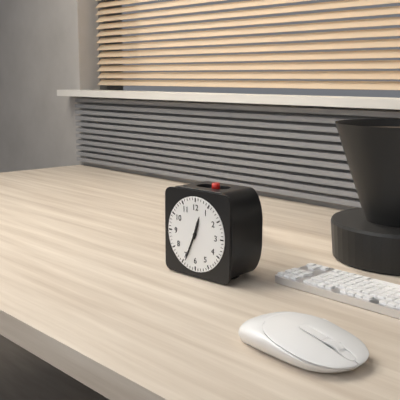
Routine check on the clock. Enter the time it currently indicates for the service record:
12:34
